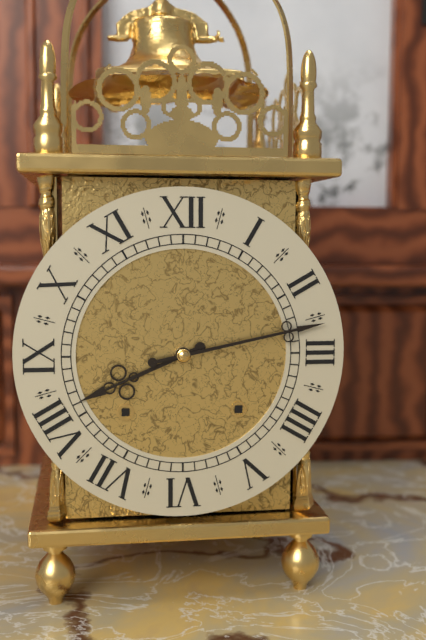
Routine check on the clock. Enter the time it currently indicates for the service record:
8:13
